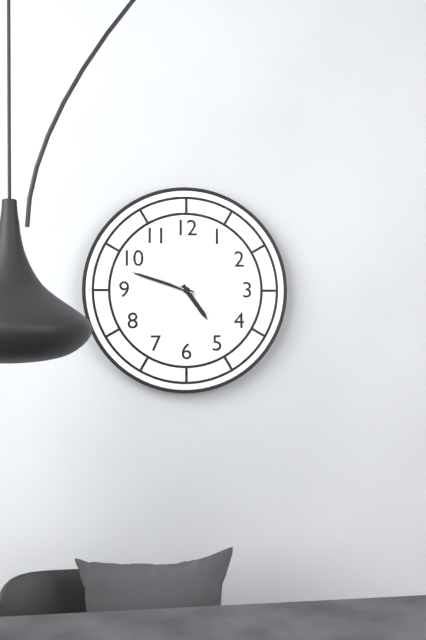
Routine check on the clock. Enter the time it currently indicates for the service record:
4:48:49
